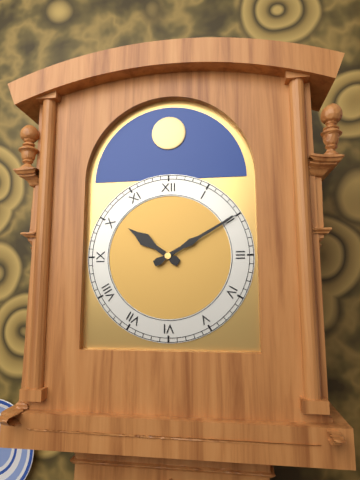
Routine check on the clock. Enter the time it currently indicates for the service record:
10:10
